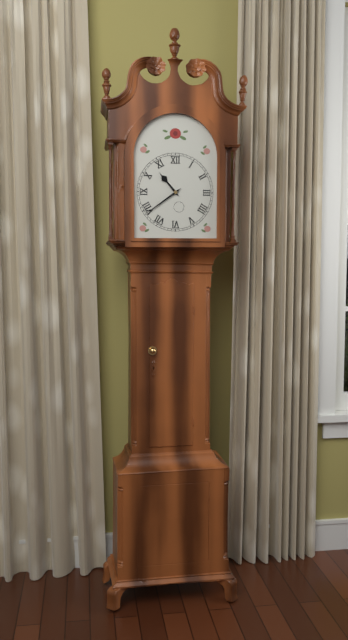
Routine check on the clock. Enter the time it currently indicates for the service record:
10:39
